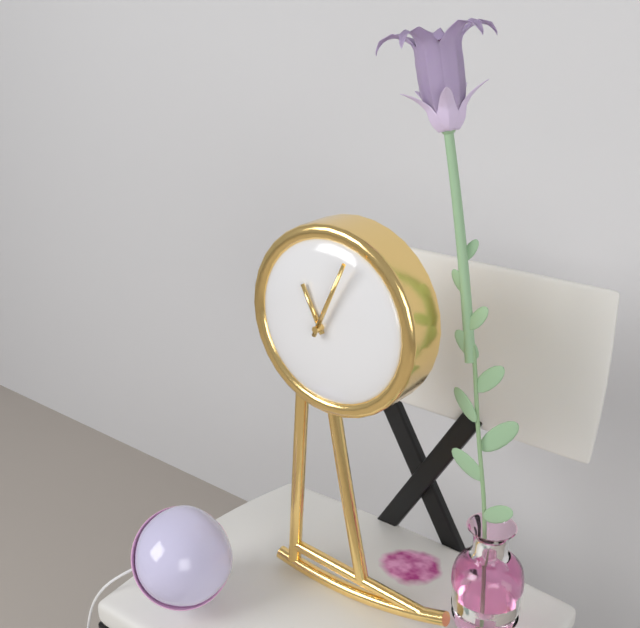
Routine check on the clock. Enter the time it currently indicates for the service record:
11:04
